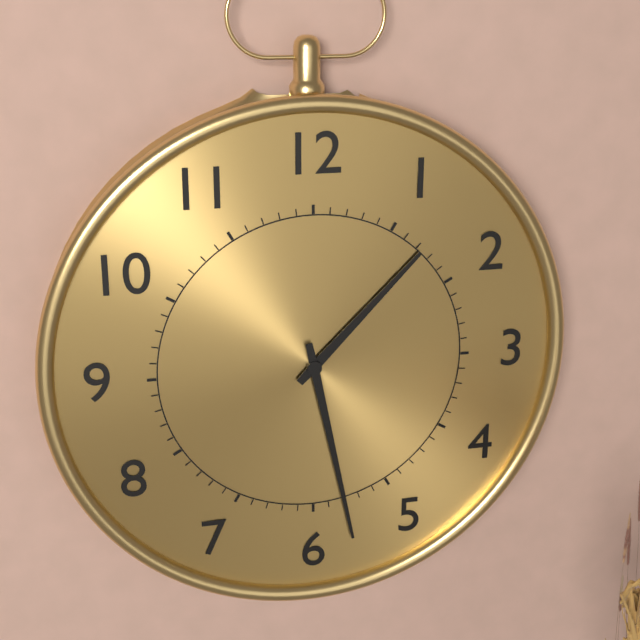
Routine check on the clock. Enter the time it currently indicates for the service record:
1:28
